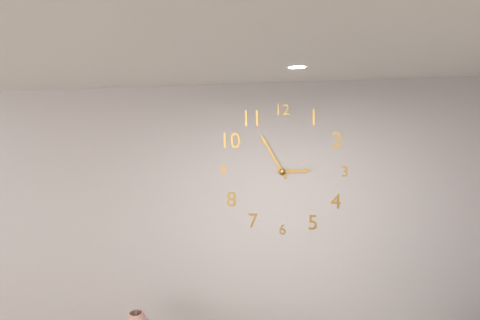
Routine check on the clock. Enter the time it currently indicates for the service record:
2:55
